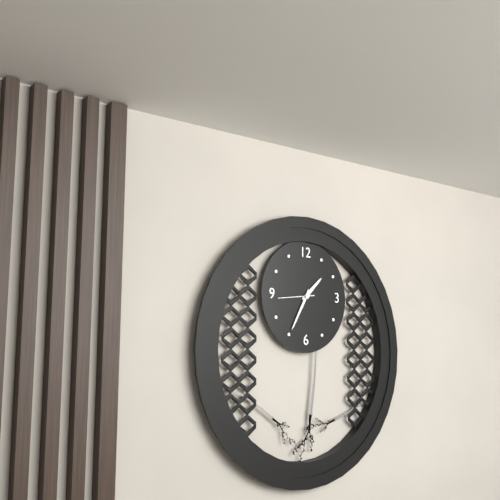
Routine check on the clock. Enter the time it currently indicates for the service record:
1:35
